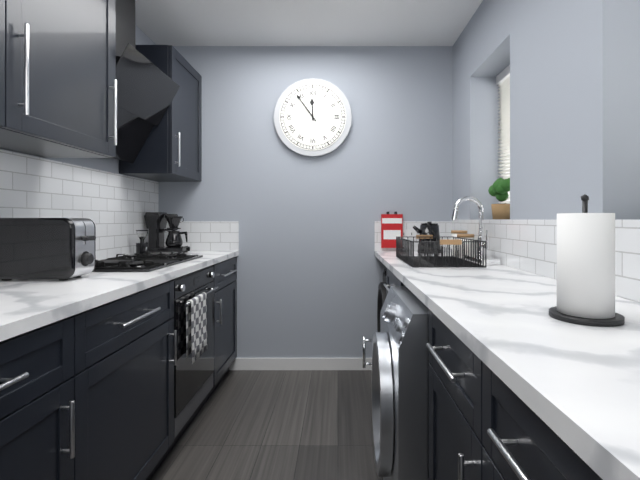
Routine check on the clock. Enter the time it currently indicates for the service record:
11:54
